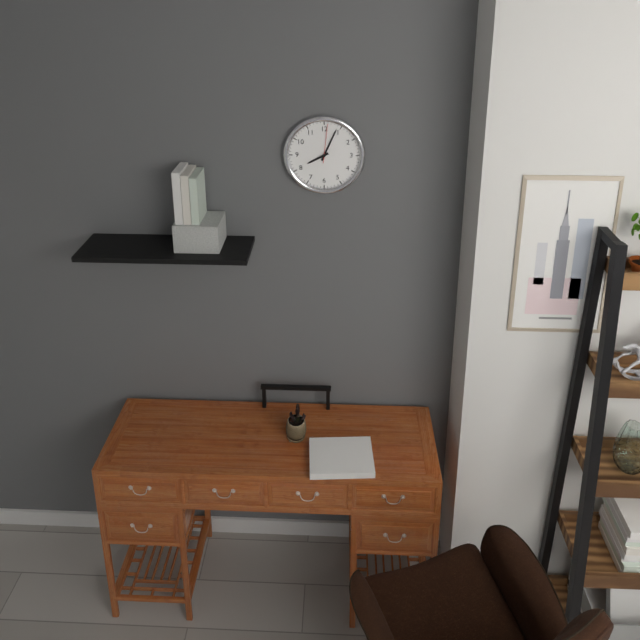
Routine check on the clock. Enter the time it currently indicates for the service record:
8:04
